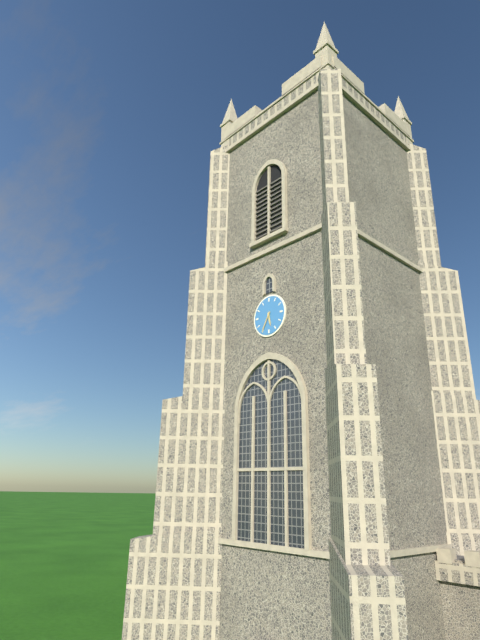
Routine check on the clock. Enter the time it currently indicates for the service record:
5:35
